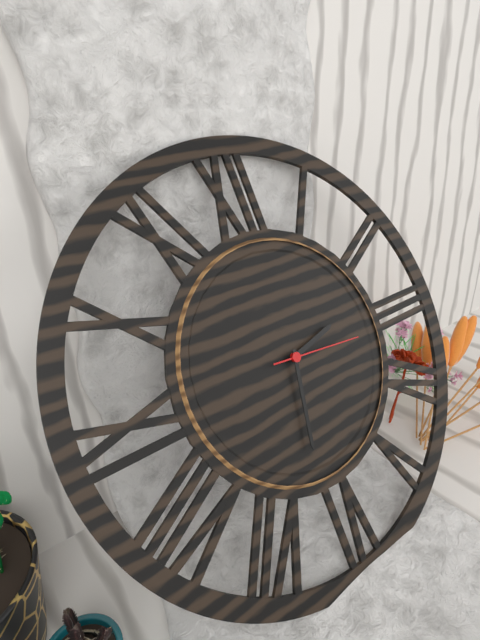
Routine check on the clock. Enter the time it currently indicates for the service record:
2:32:16
